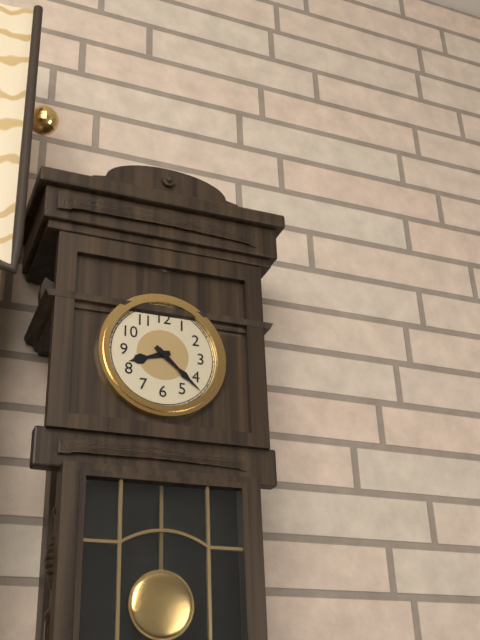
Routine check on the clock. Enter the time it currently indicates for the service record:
8:22
